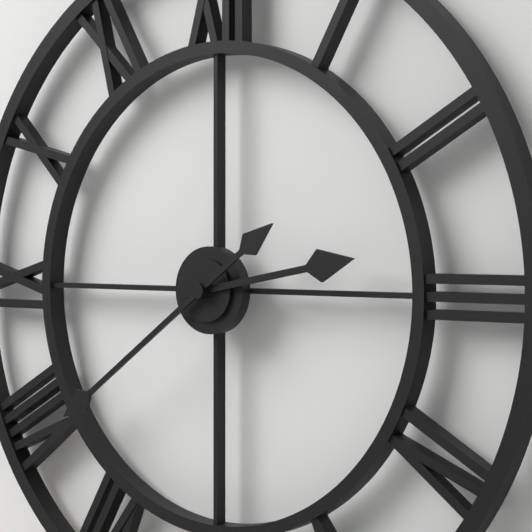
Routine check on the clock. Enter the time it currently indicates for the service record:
2:39
